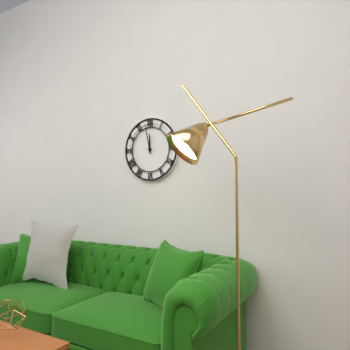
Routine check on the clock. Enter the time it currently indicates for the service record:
11:58
